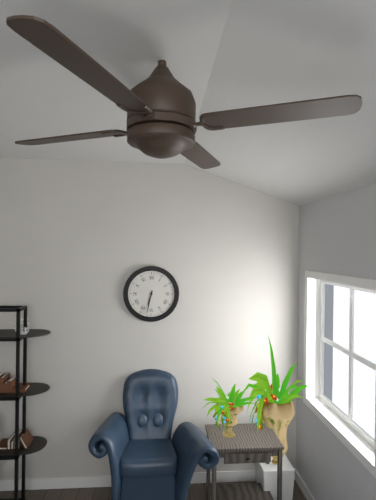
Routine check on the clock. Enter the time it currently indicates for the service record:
6:32
